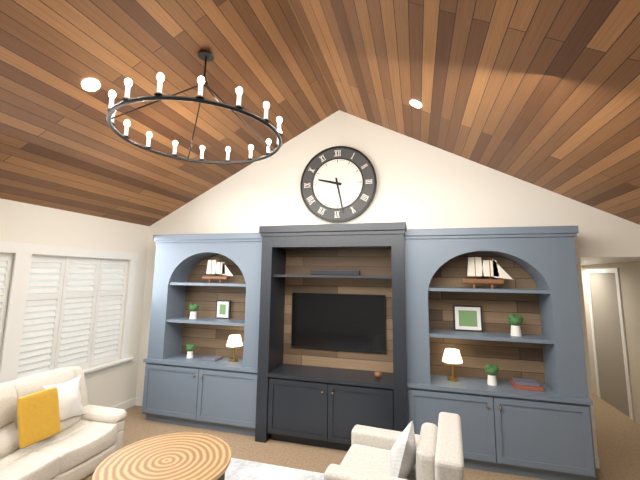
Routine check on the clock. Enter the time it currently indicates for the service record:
9:28
